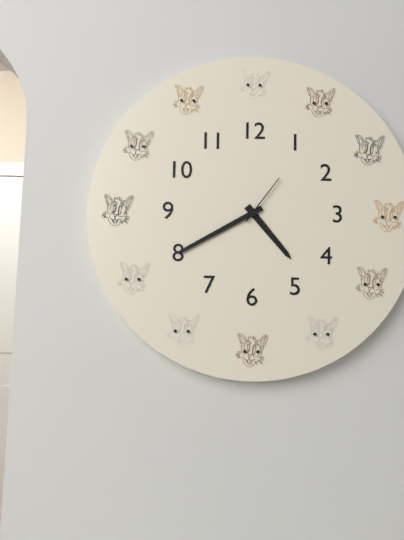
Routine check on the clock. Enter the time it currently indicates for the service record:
4:40:06
